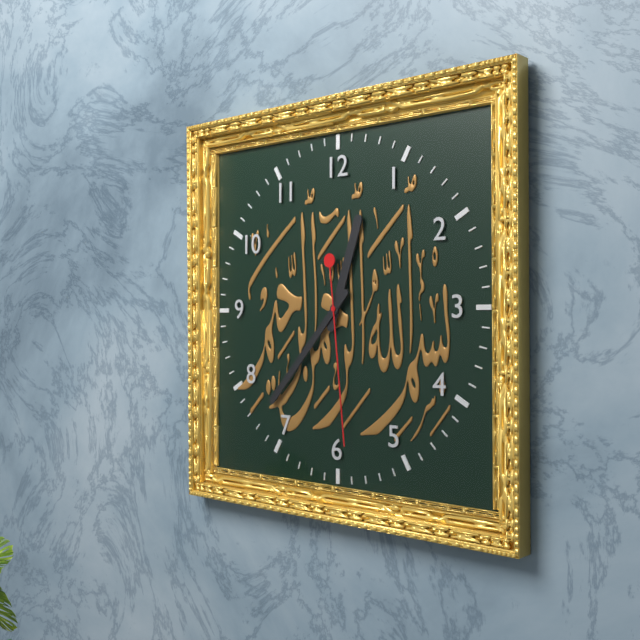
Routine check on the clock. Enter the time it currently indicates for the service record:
12:37:29
